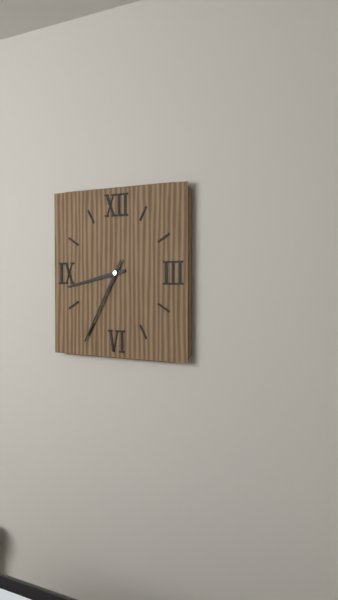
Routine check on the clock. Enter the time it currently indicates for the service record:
8:35
